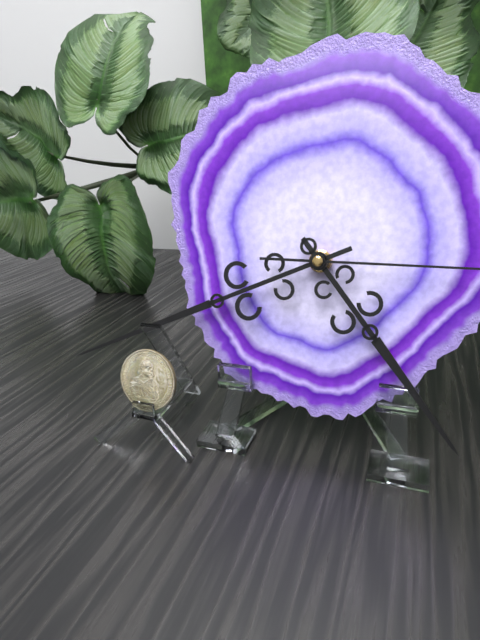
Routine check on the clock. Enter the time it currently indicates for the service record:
4:41
